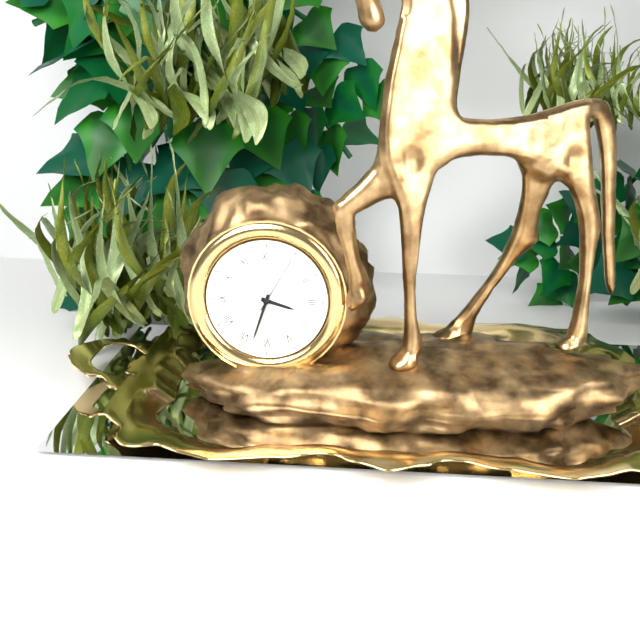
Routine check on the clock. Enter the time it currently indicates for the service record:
3:33:05
